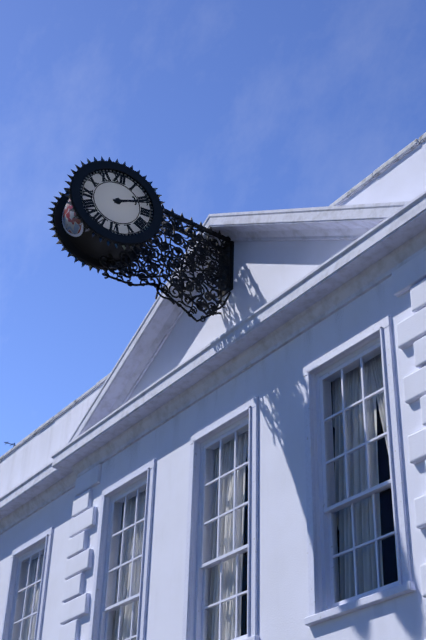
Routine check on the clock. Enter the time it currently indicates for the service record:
2:12
